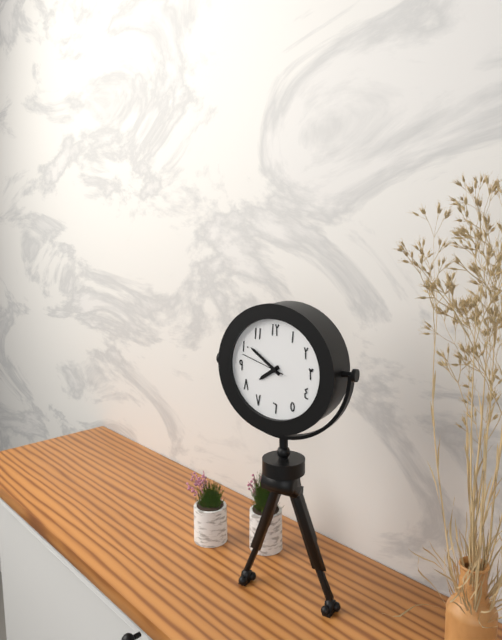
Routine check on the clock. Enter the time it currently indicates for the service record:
7:51
